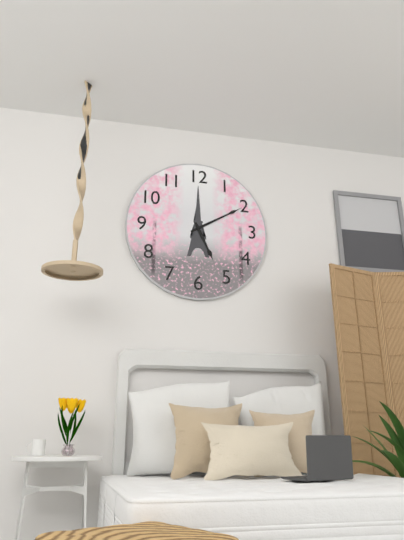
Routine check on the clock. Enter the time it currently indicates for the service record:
5:10
